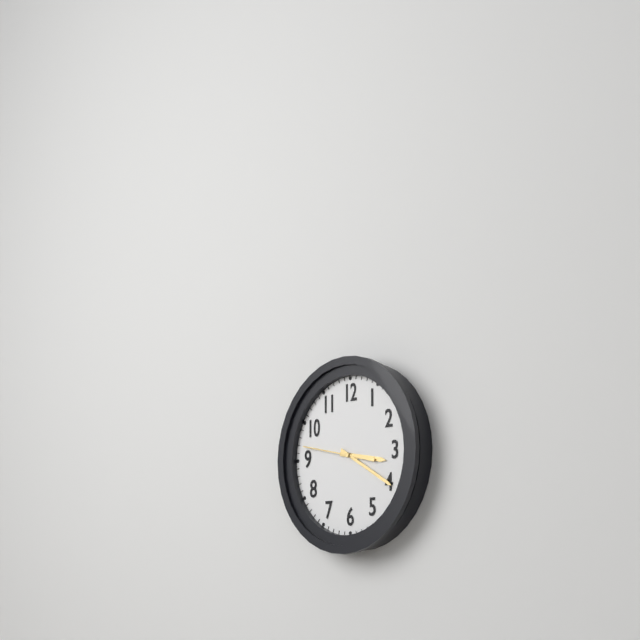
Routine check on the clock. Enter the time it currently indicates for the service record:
3:20:47
